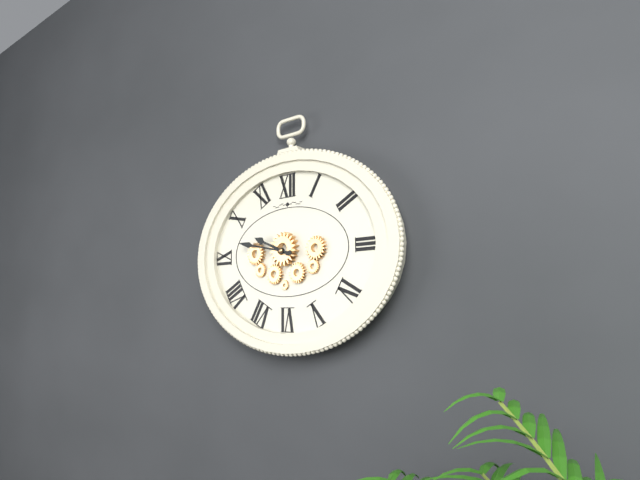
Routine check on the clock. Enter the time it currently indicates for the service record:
9:47
